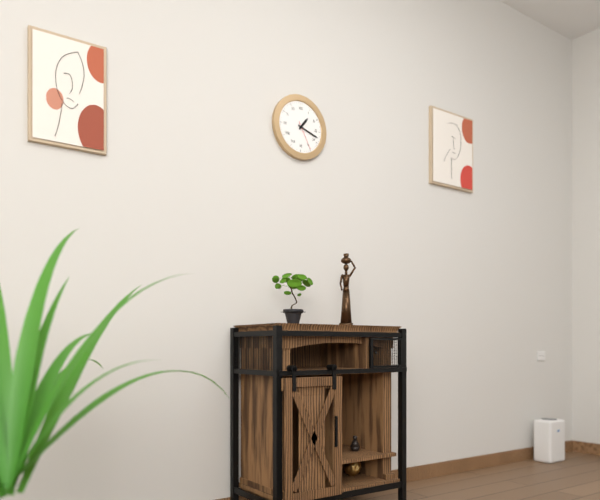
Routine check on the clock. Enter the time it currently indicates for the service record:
1:18
